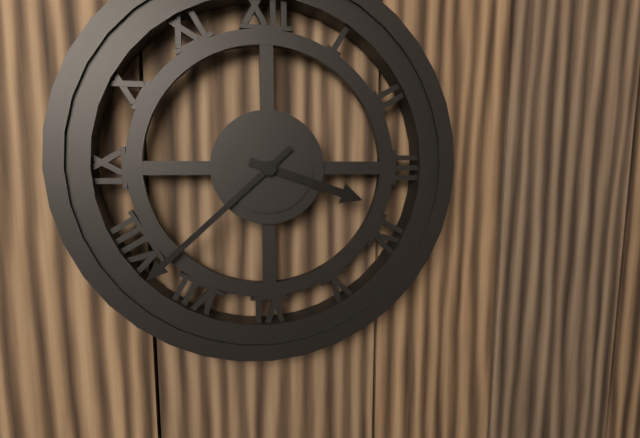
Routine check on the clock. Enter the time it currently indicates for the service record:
3:38
